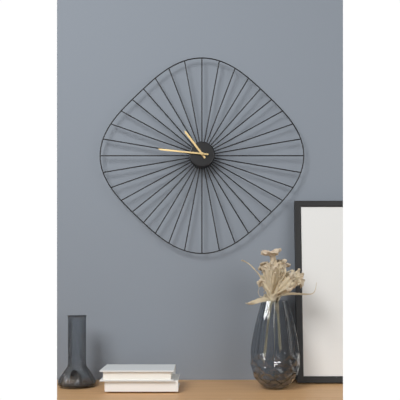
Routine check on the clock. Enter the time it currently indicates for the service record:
10:46
